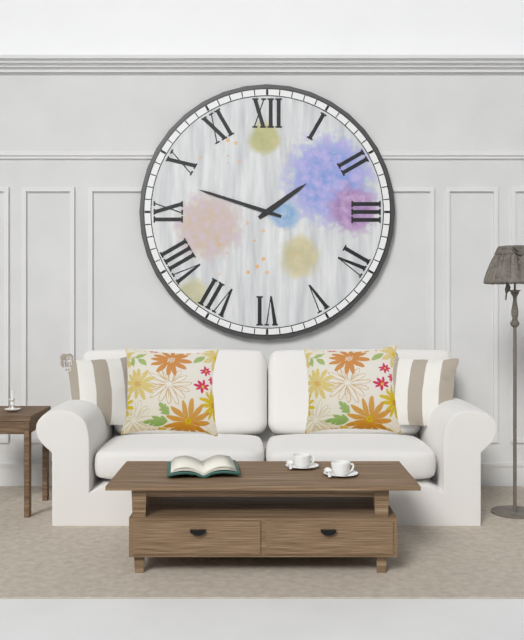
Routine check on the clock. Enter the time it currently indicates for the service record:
1:48
